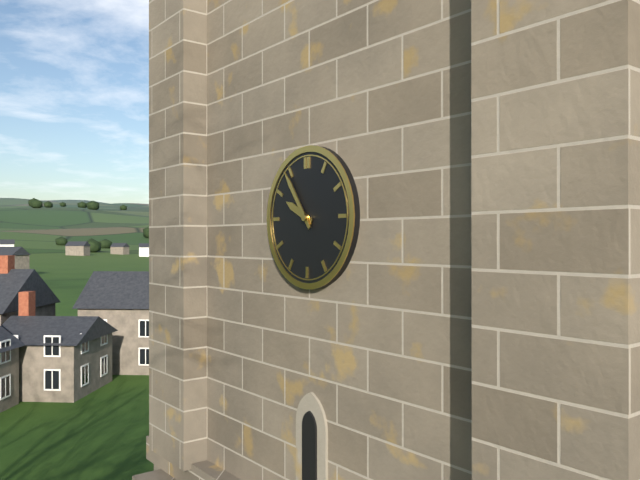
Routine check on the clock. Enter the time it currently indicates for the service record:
9:54
